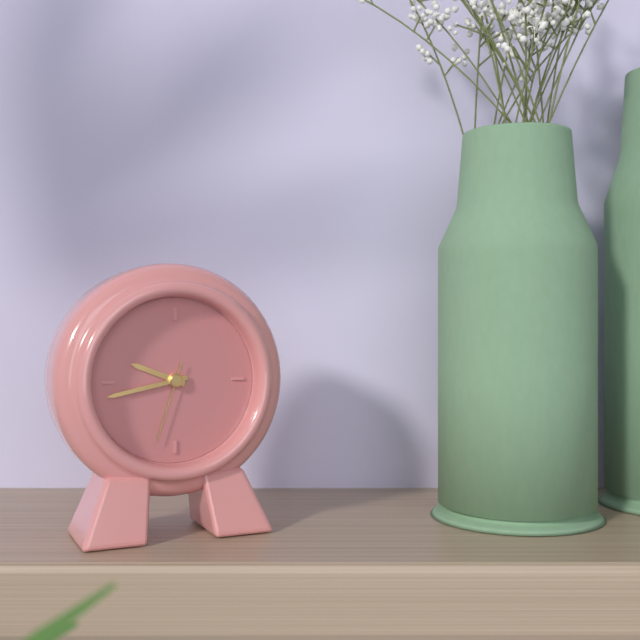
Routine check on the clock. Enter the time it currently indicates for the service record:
9:43:33
